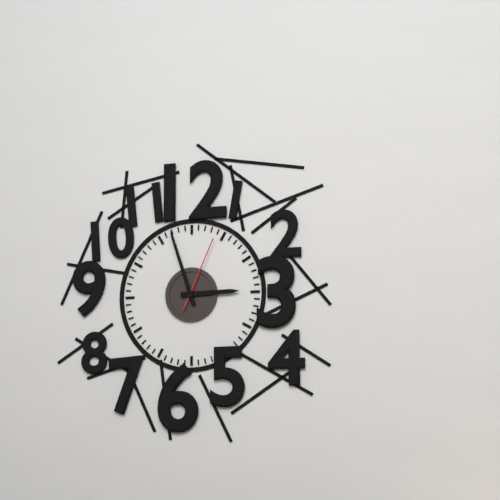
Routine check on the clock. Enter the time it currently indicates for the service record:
2:57:04
